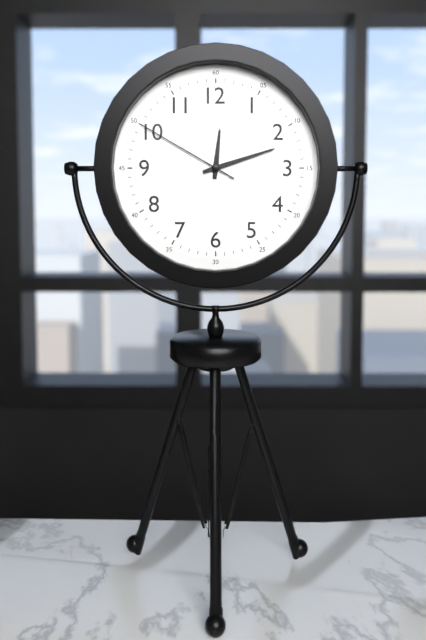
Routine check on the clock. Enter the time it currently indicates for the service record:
12:12:50
